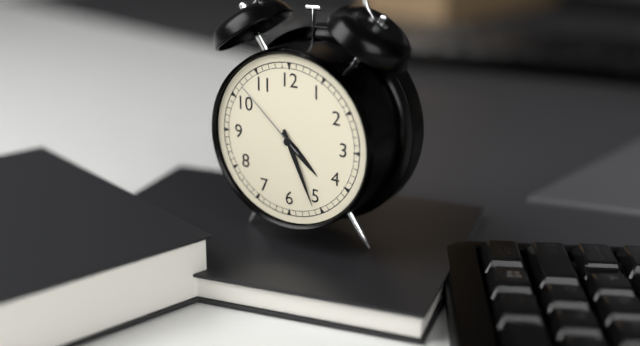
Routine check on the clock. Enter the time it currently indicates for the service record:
4:26:52
